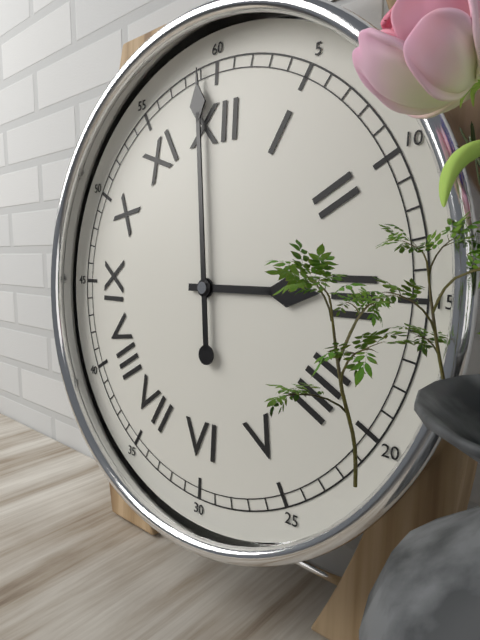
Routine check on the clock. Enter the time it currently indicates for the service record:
2:59
